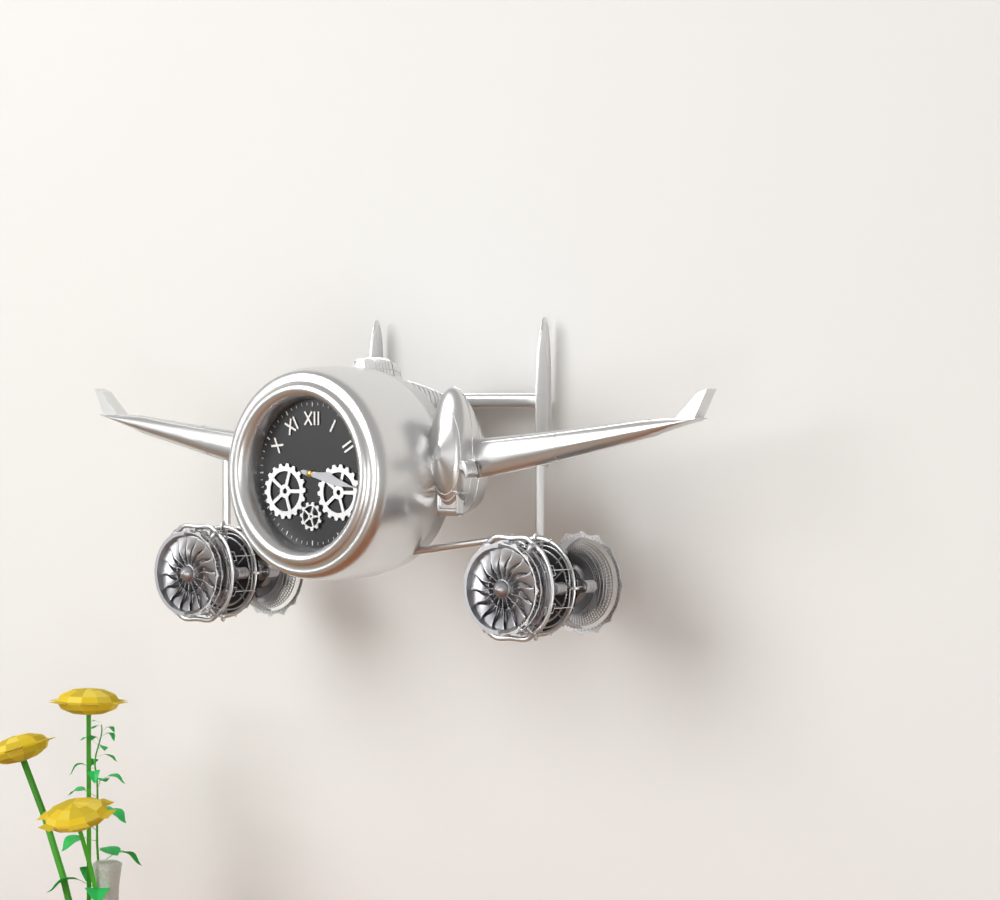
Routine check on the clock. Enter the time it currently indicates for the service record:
3:17
